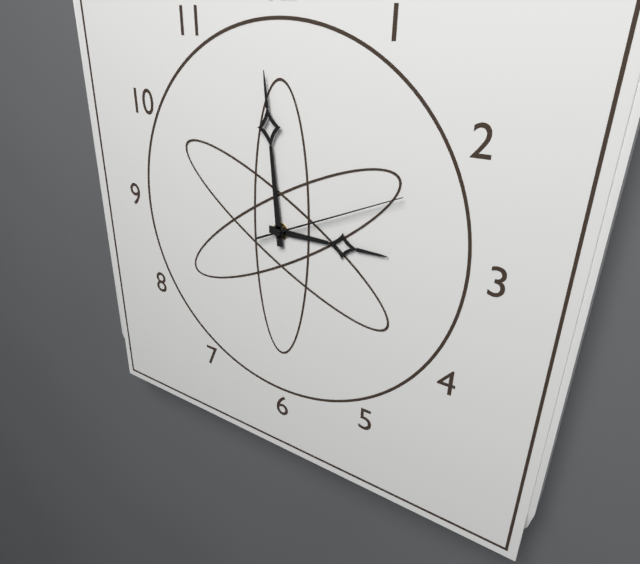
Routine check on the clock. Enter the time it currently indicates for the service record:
2:59:11
